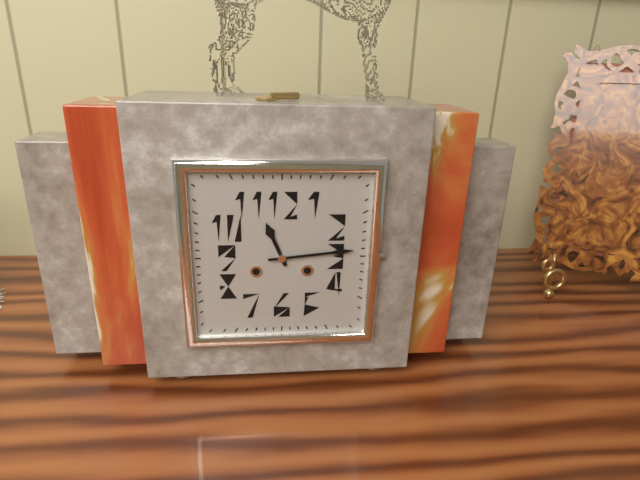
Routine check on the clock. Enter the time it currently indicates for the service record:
11:14
